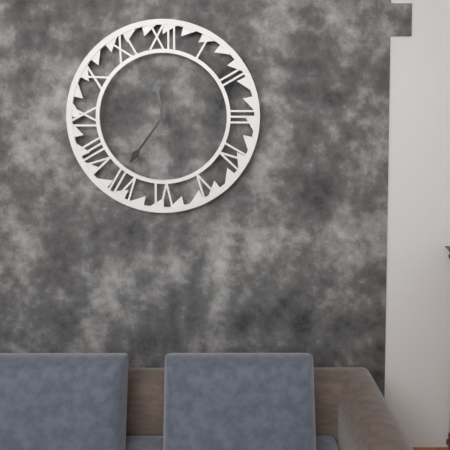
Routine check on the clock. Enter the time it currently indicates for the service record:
11:36
